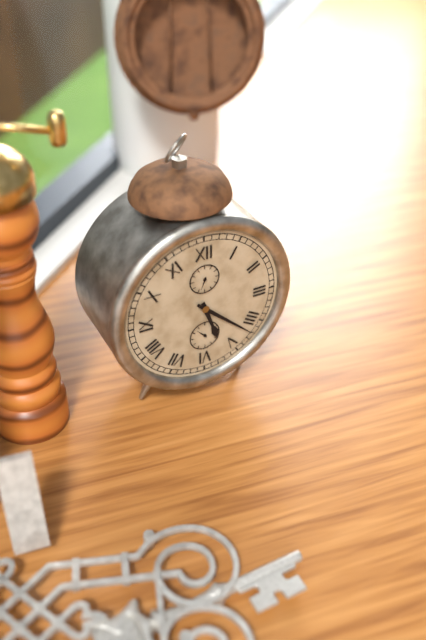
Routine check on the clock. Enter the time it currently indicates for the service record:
5:22
